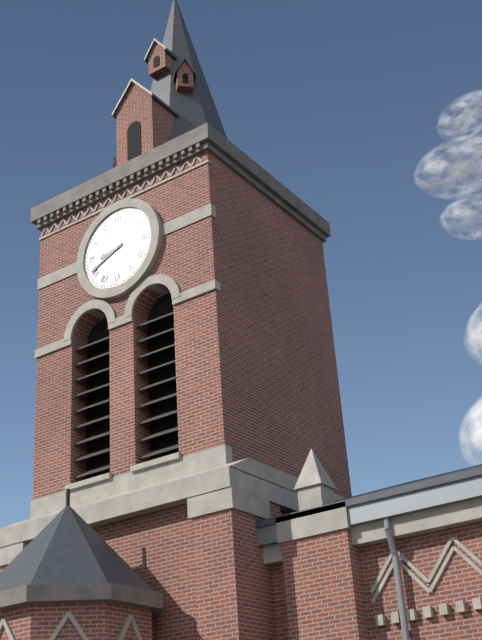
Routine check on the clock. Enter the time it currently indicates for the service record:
8:41
